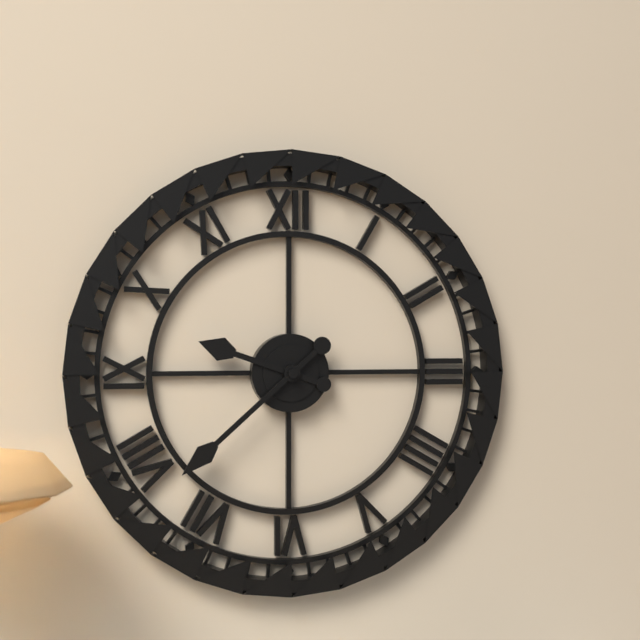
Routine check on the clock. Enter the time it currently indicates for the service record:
9:38
